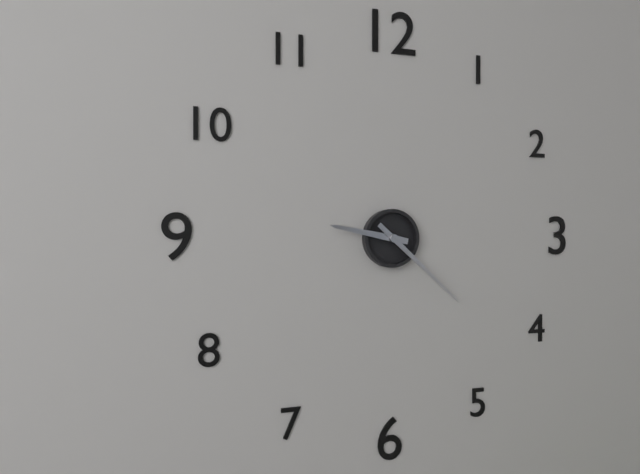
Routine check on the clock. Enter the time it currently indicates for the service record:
9:22
